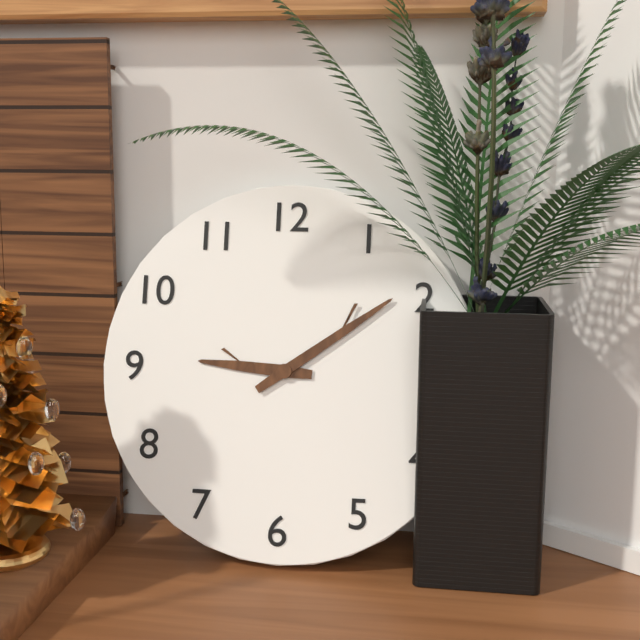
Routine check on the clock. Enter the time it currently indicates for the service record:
9:09
